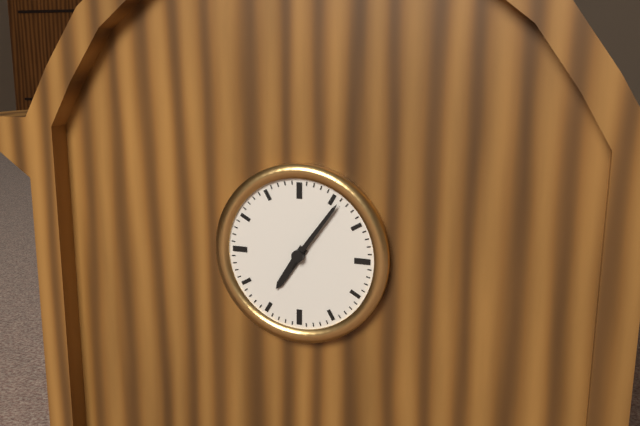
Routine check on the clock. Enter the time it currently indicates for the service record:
7:06
